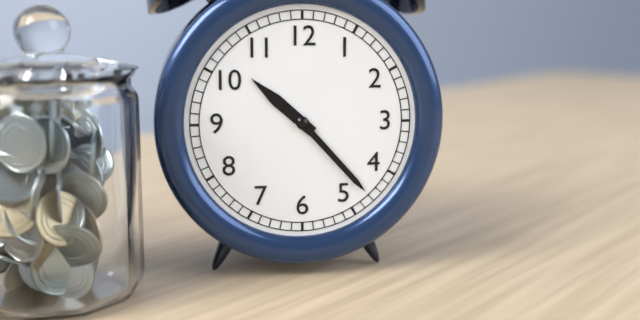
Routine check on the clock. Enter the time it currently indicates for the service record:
10:23
